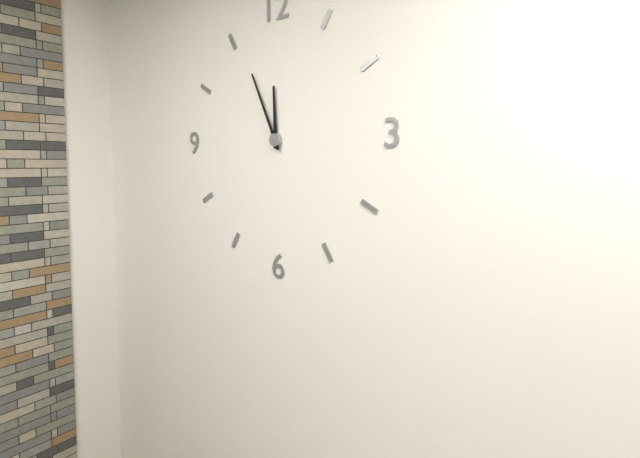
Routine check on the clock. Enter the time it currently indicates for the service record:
11:56
